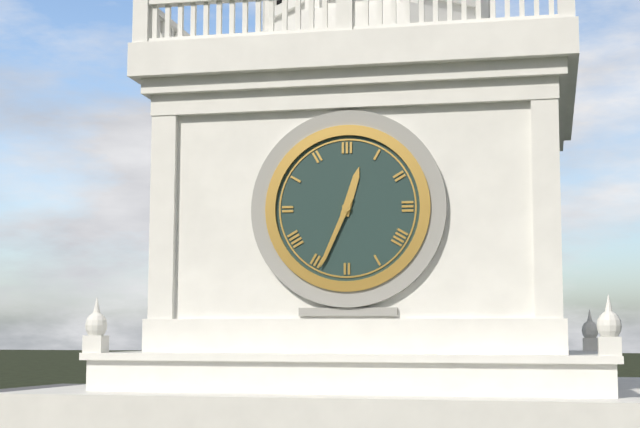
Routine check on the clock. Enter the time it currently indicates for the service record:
12:34
